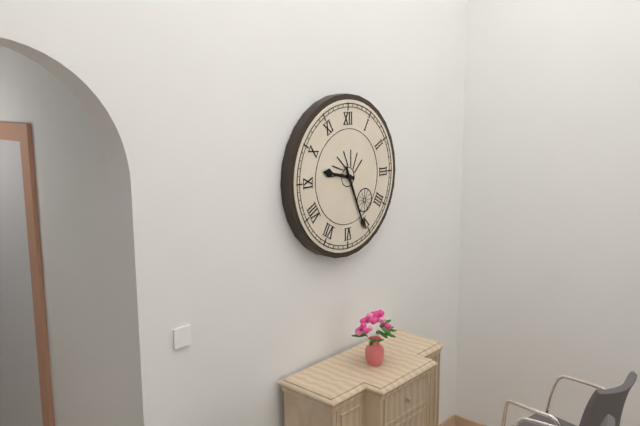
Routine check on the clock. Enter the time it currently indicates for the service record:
9:26
